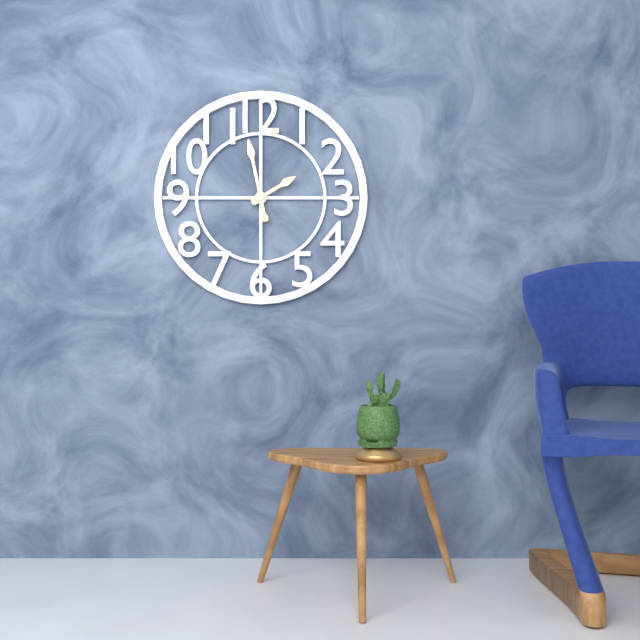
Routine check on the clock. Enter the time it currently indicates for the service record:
1:58
